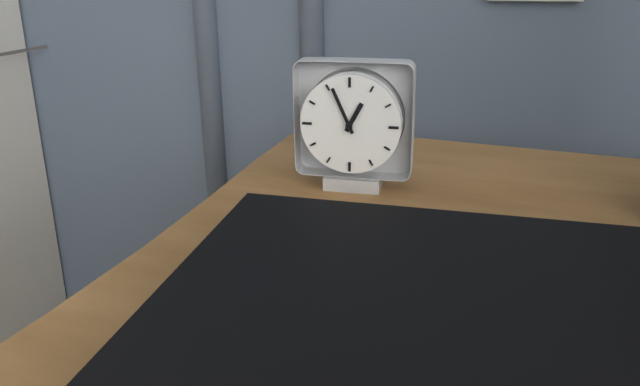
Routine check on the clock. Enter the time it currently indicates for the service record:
12:56
